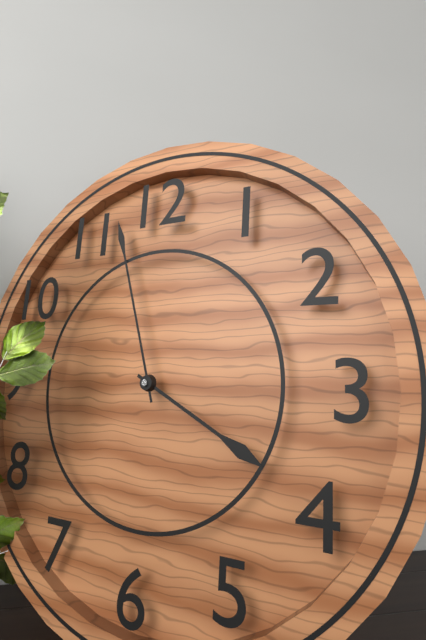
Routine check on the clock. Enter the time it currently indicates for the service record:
3:57
